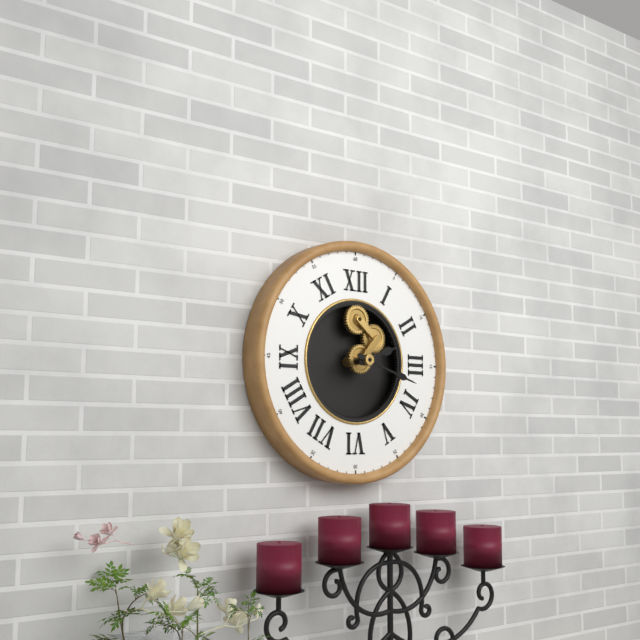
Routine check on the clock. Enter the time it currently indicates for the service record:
2:18
